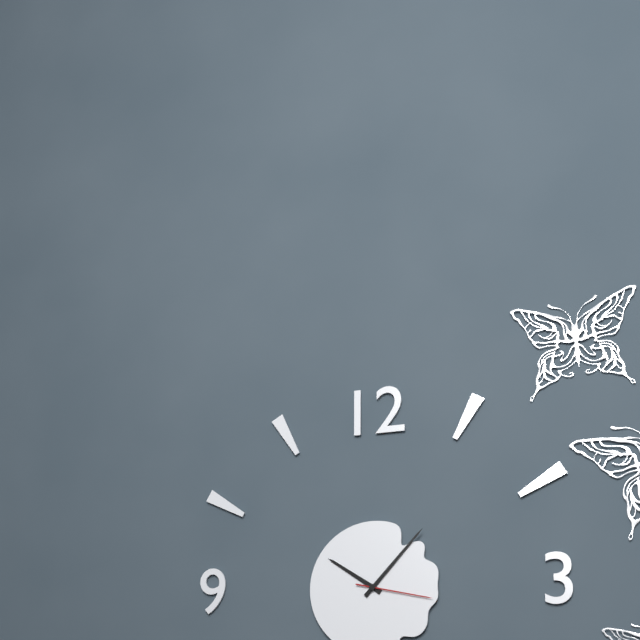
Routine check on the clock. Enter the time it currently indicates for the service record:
10:07:17
